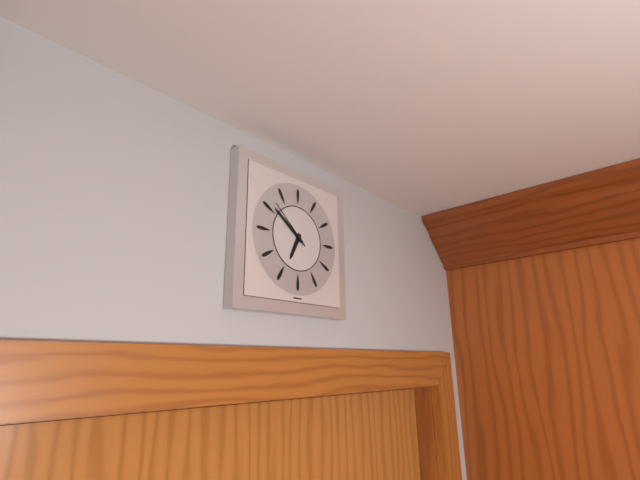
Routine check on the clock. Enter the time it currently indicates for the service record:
6:51:52
